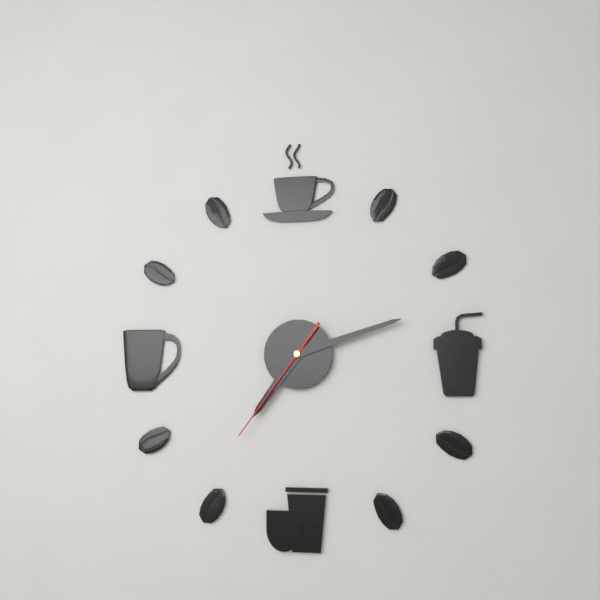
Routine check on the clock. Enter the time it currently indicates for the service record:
7:12:36
